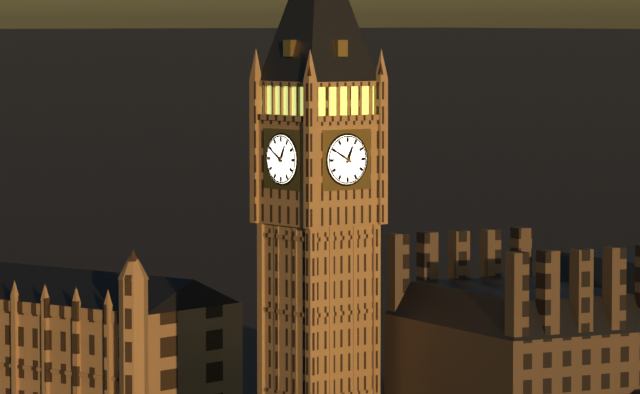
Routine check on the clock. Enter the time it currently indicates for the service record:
12:50
